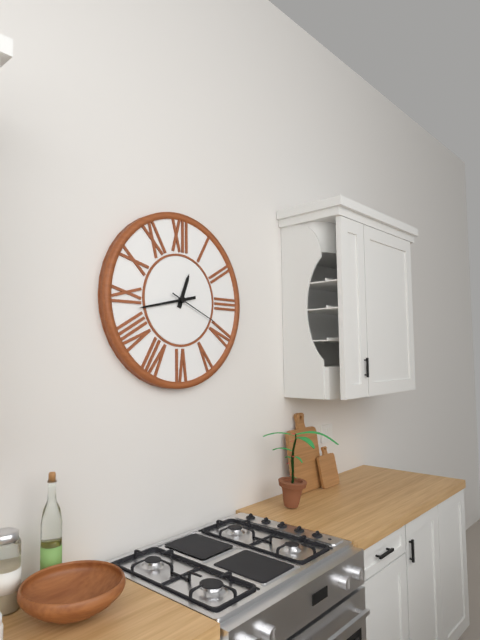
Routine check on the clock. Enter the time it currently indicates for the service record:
12:43:19
